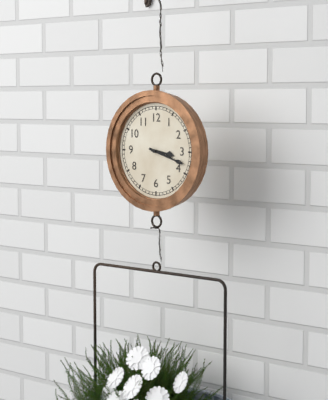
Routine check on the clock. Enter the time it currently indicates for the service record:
3:18
